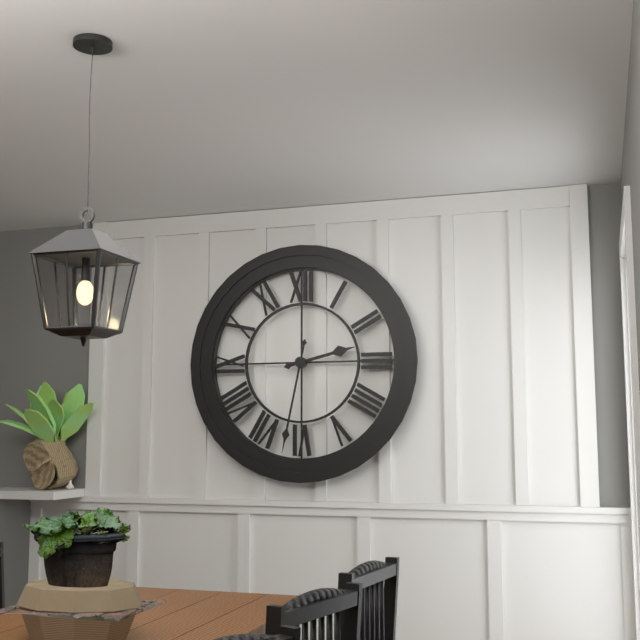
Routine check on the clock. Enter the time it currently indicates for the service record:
2:32
